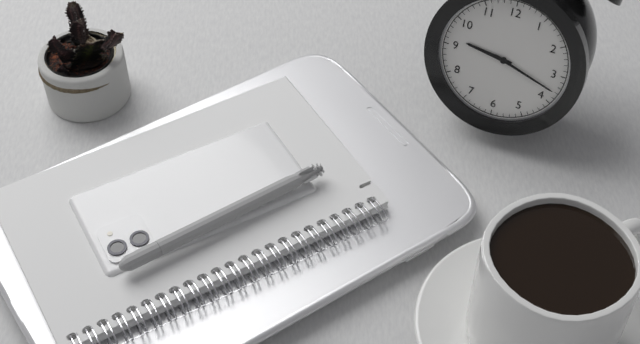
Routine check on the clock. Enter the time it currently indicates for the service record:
9:18
